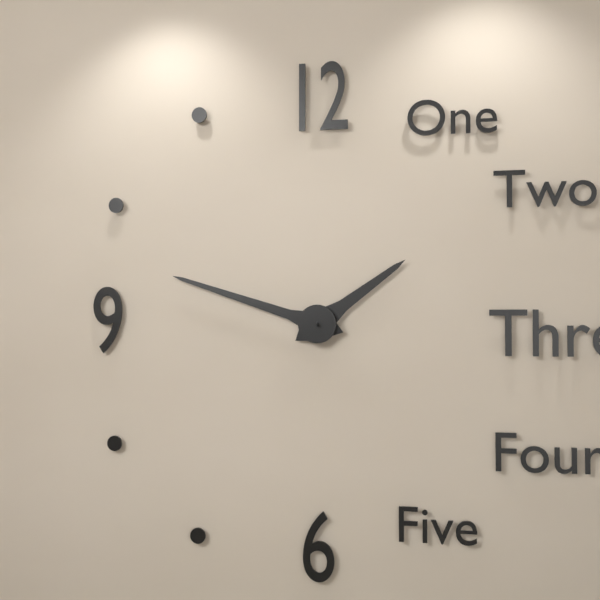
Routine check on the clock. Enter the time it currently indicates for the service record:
1:48
